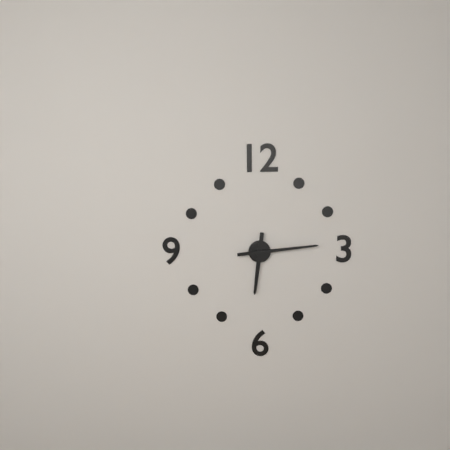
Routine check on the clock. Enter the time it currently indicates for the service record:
6:14
